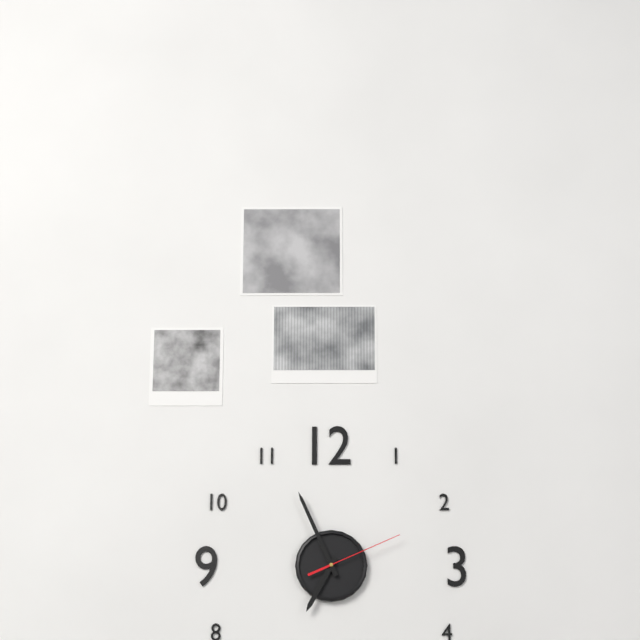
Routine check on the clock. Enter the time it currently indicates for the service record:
6:56:11
